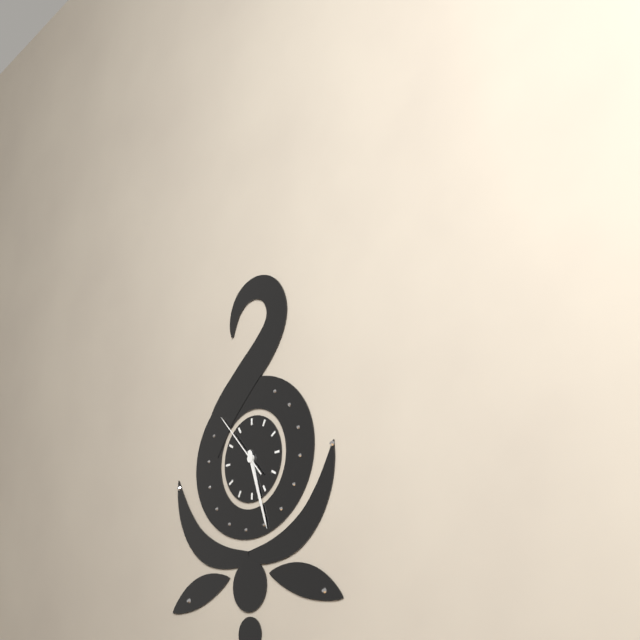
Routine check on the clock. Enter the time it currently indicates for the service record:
5:27:53
